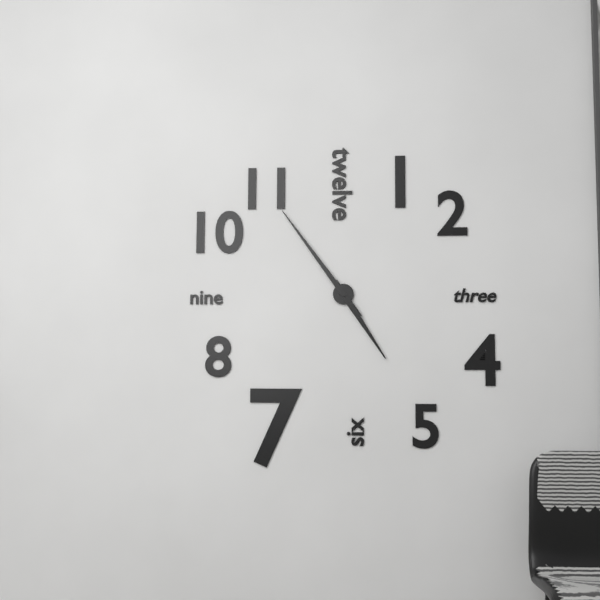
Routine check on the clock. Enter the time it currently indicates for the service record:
4:54
